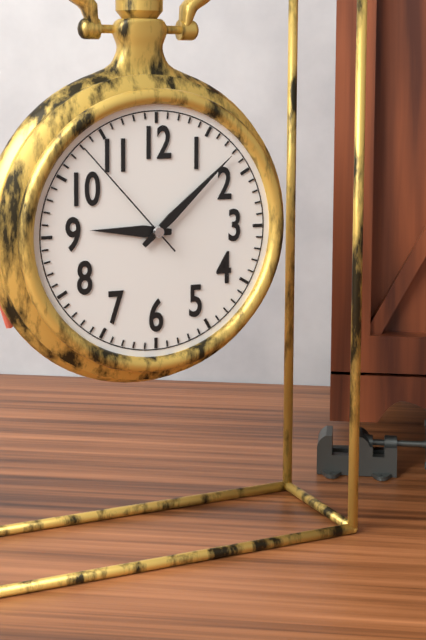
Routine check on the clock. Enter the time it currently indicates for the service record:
9:08:53
